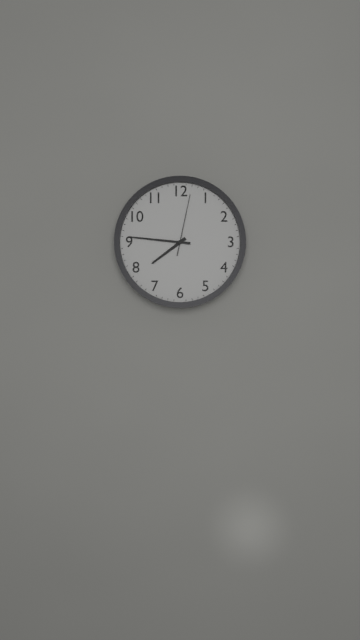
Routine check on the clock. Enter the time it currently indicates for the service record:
7:46:02
